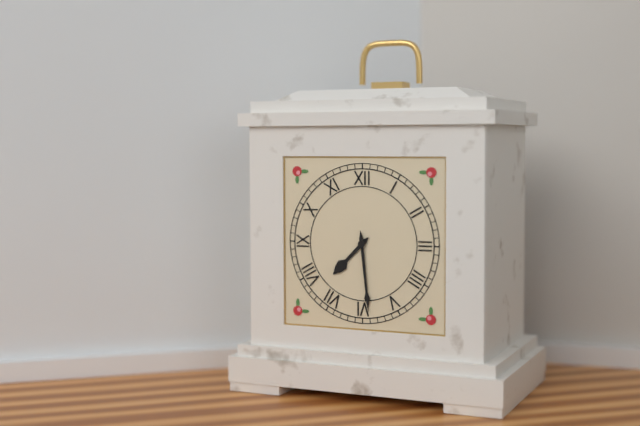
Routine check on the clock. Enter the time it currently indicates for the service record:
7:29
